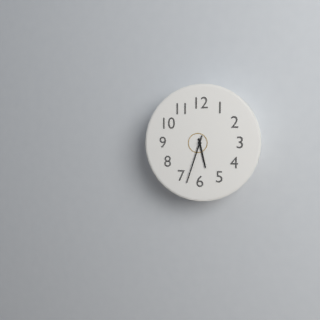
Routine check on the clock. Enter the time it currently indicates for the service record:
5:33
